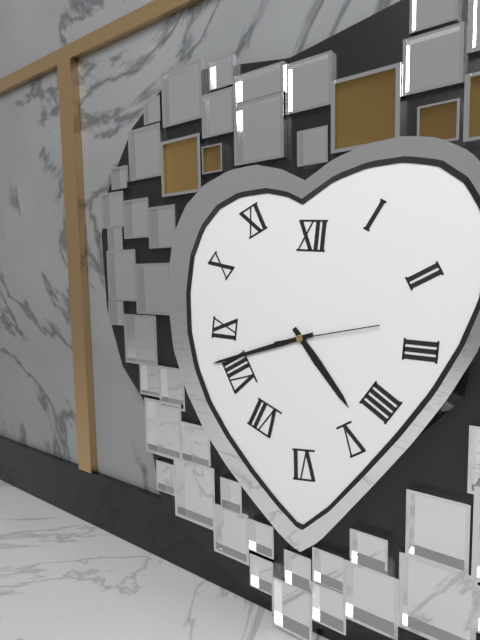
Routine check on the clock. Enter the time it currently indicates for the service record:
4:42:13
